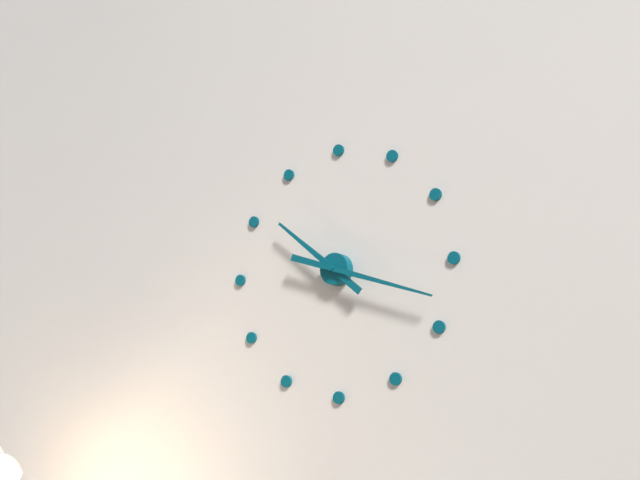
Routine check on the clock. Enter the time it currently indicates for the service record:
10:18
